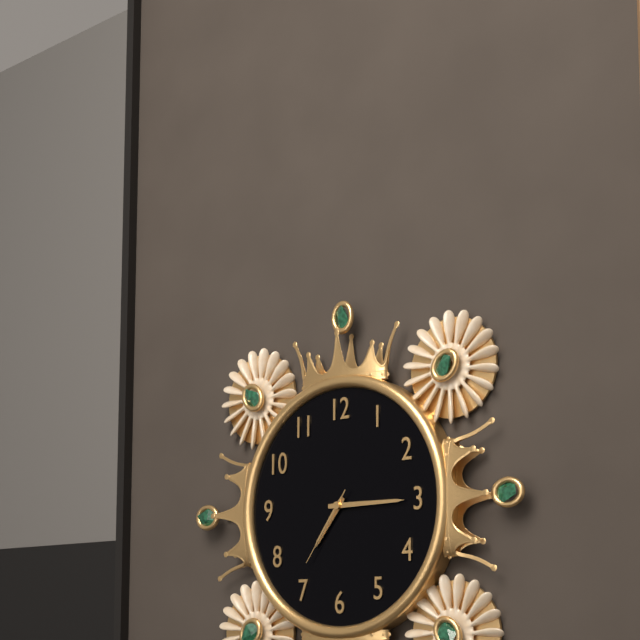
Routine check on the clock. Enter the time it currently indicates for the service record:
7:15:36
